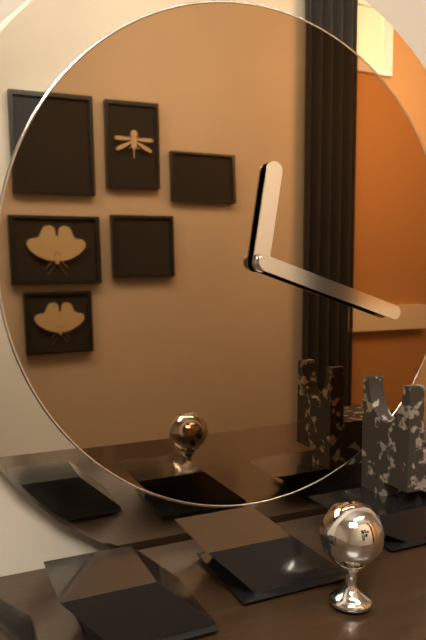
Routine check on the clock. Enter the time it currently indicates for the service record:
12:18
